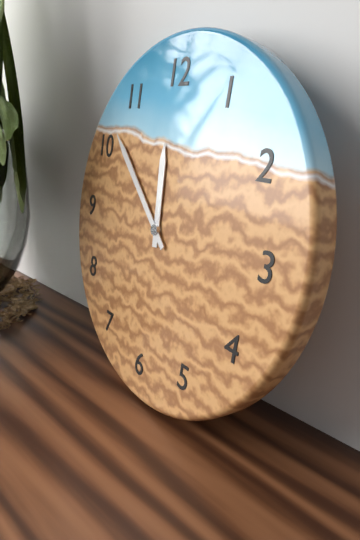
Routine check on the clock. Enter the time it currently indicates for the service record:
11:52
